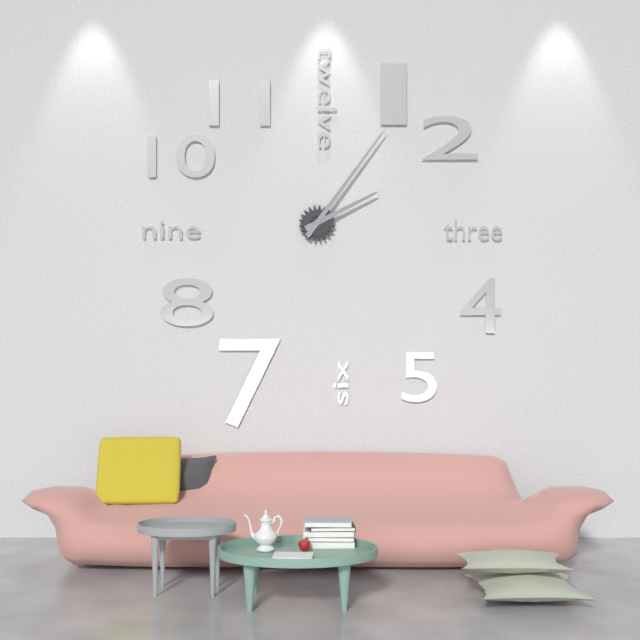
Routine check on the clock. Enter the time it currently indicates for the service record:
2:06
